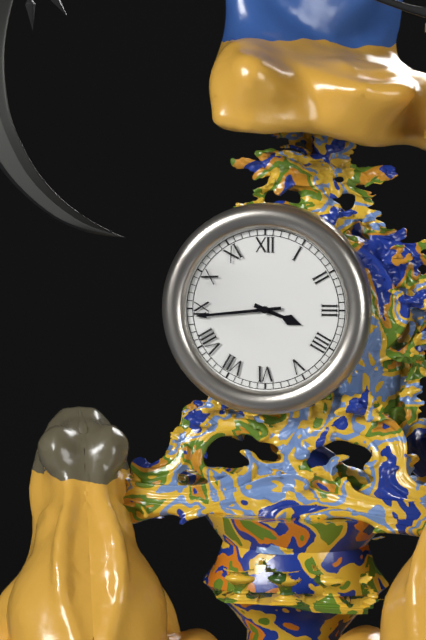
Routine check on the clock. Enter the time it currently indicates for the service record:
3:44
